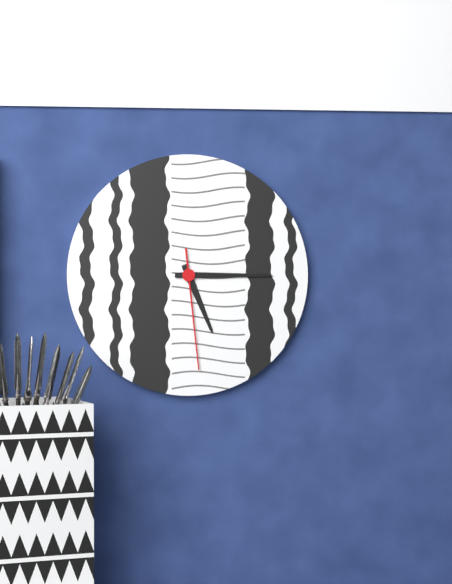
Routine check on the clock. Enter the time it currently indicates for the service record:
5:15:29
